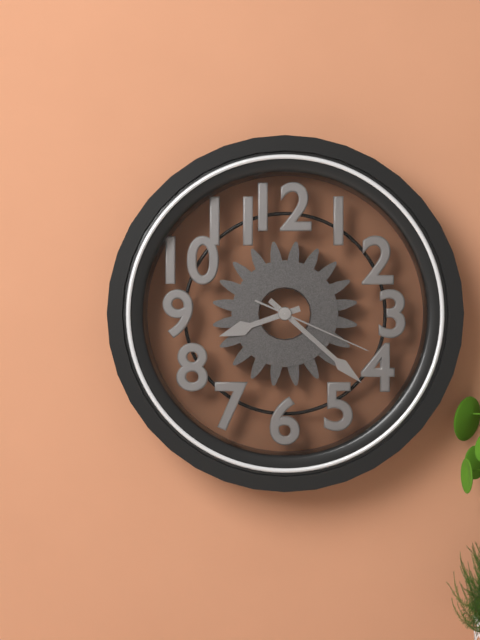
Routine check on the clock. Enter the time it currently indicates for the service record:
8:22:19
